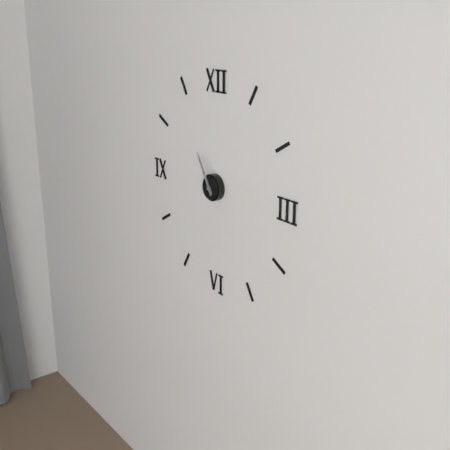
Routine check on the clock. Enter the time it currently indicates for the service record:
10:55
